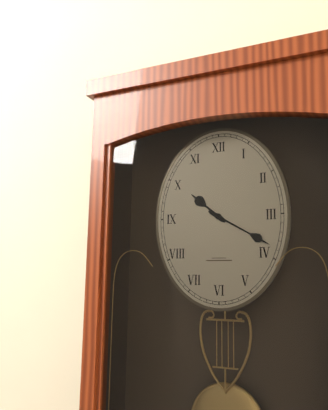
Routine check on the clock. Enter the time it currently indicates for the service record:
10:20
